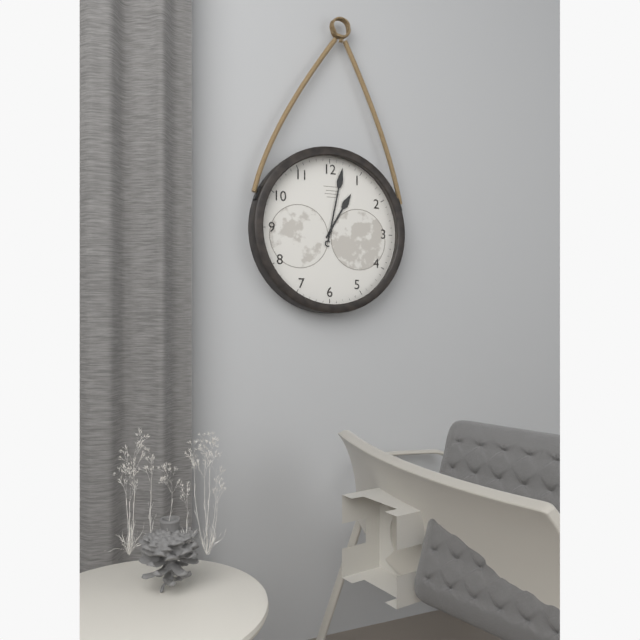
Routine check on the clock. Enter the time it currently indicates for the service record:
1:02
